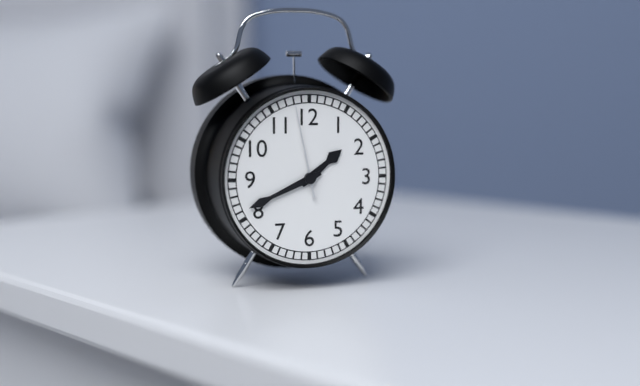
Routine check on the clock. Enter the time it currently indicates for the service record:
1:41:58
